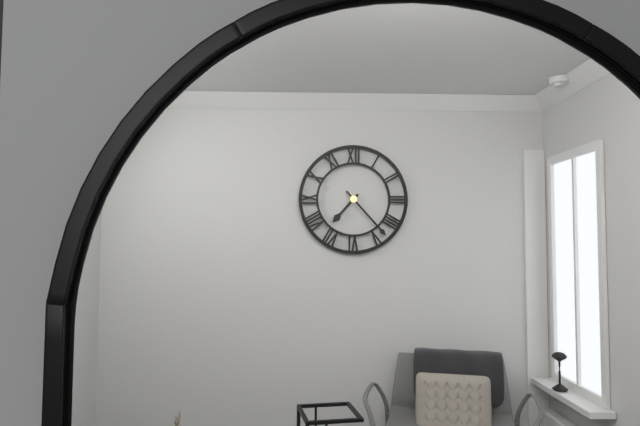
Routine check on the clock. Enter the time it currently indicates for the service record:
7:23
